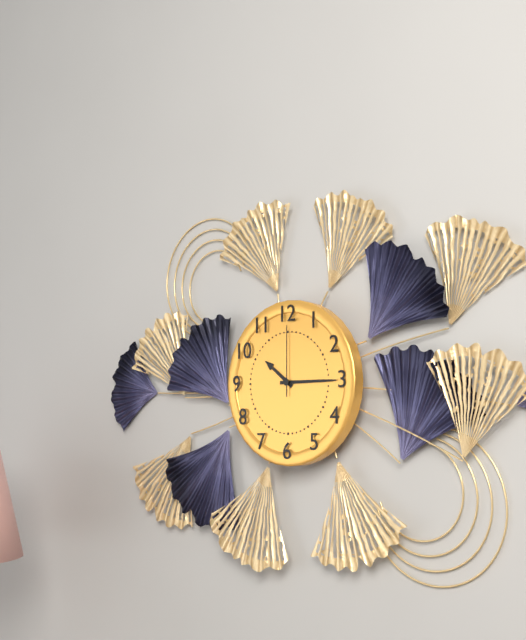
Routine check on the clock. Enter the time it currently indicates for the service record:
10:15:00
